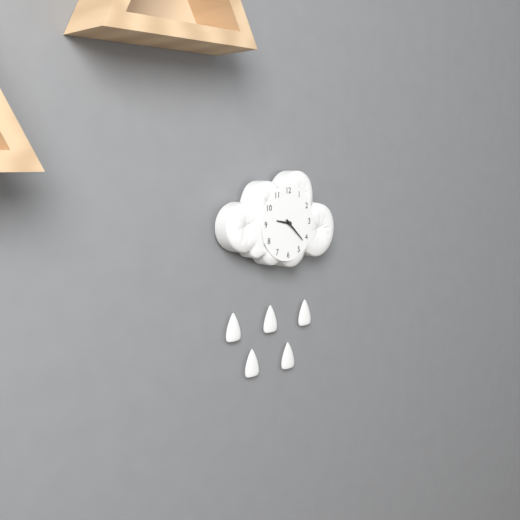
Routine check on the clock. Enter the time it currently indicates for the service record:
9:22
